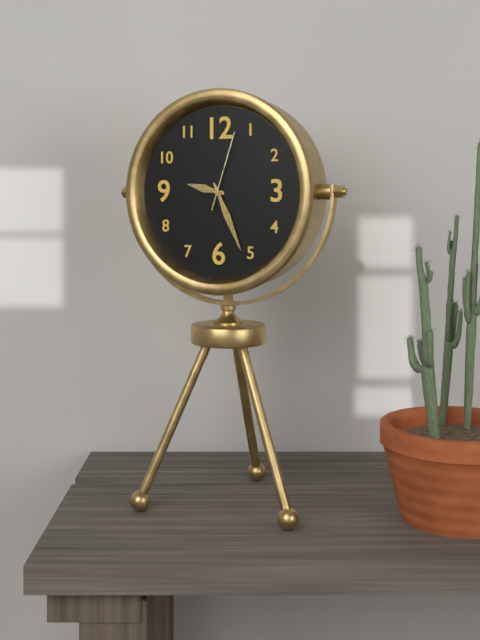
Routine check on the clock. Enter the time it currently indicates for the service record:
9:26:03
